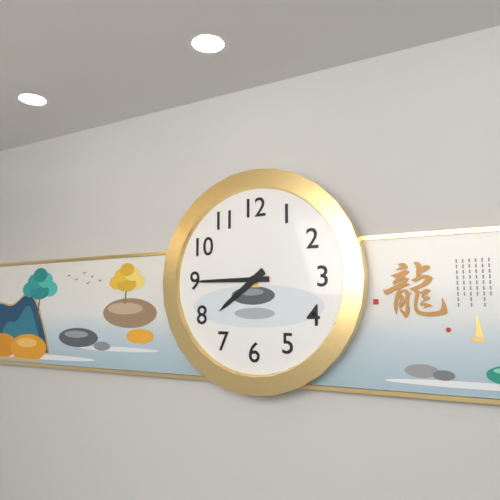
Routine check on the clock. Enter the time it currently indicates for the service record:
7:45
